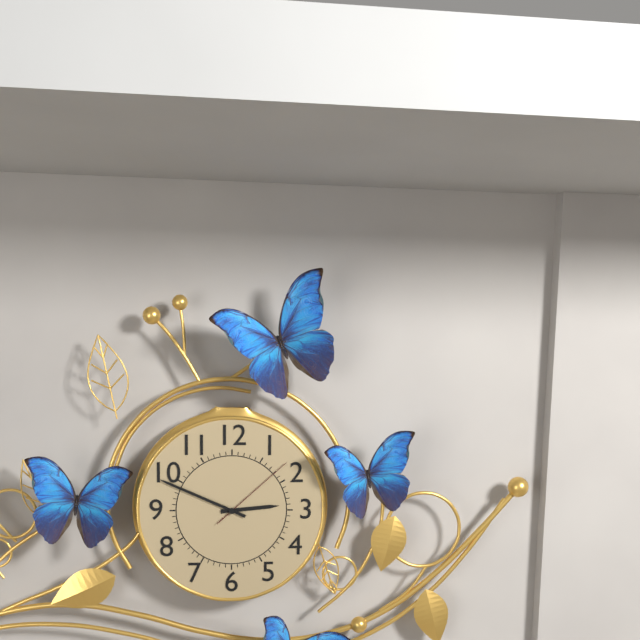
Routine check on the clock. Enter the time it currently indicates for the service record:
2:49:08
